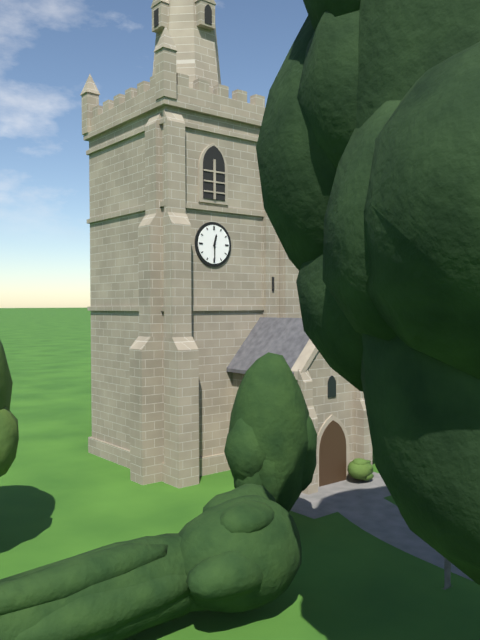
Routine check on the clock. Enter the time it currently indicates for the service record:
12:30
